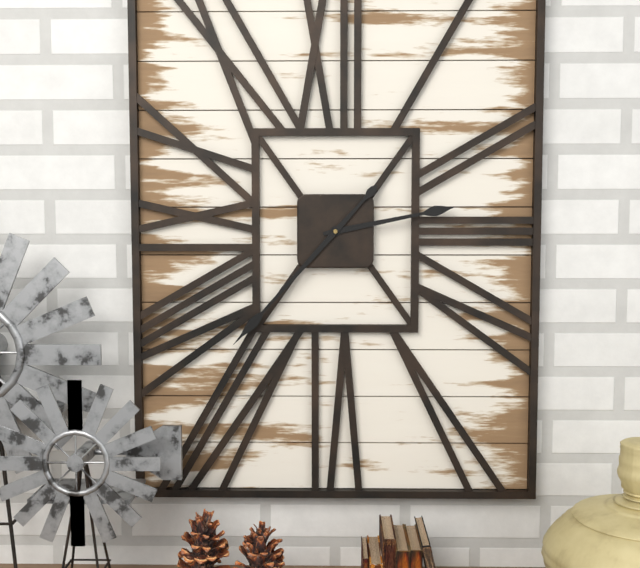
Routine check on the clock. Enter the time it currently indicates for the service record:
2:37
